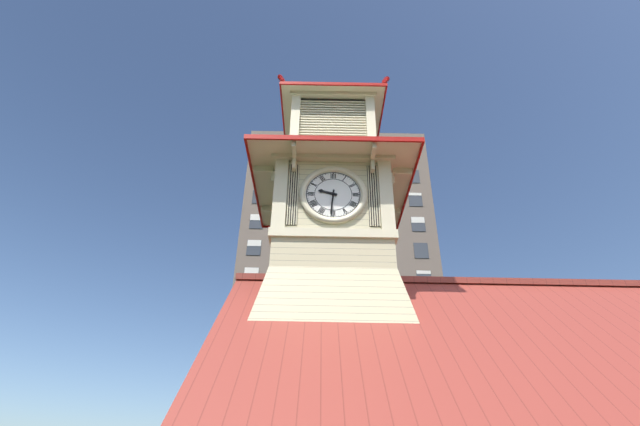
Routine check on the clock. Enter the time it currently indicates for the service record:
9:31
